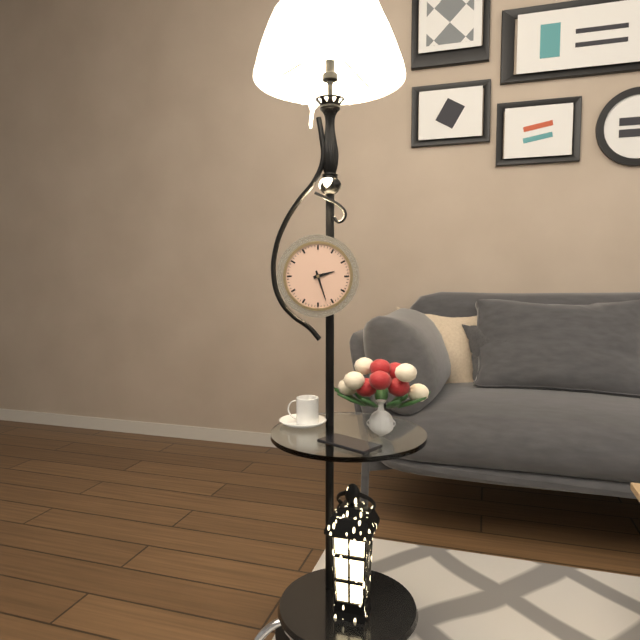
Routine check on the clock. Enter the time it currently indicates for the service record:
2:27
